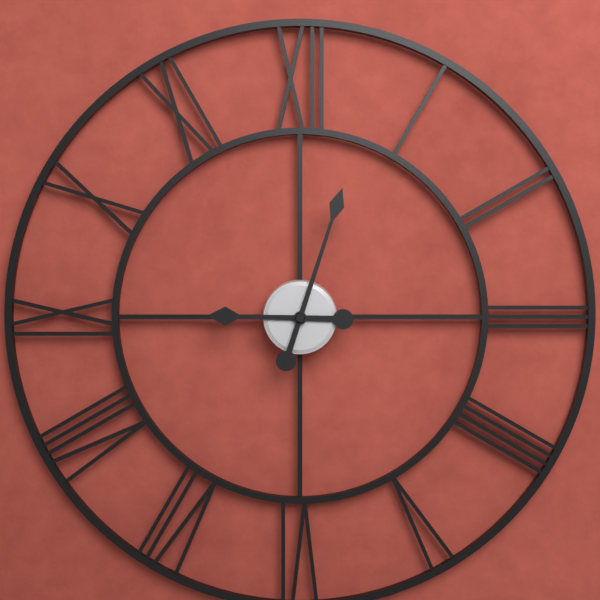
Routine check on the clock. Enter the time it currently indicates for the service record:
9:03
